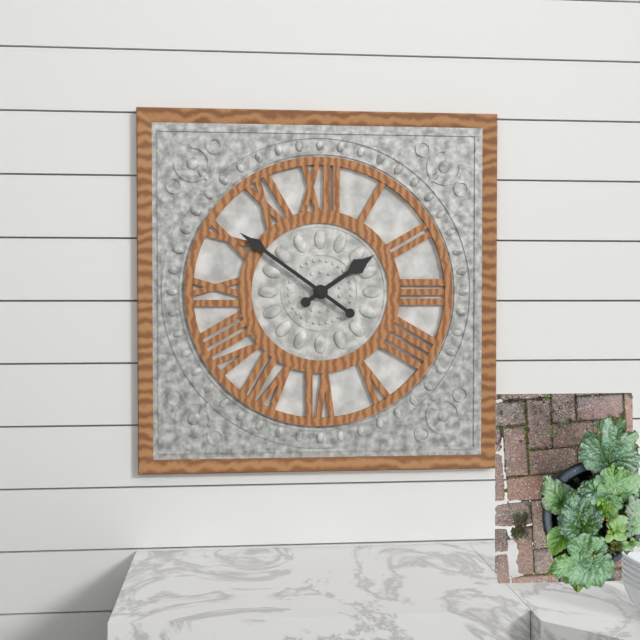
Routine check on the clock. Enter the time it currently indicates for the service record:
1:51
